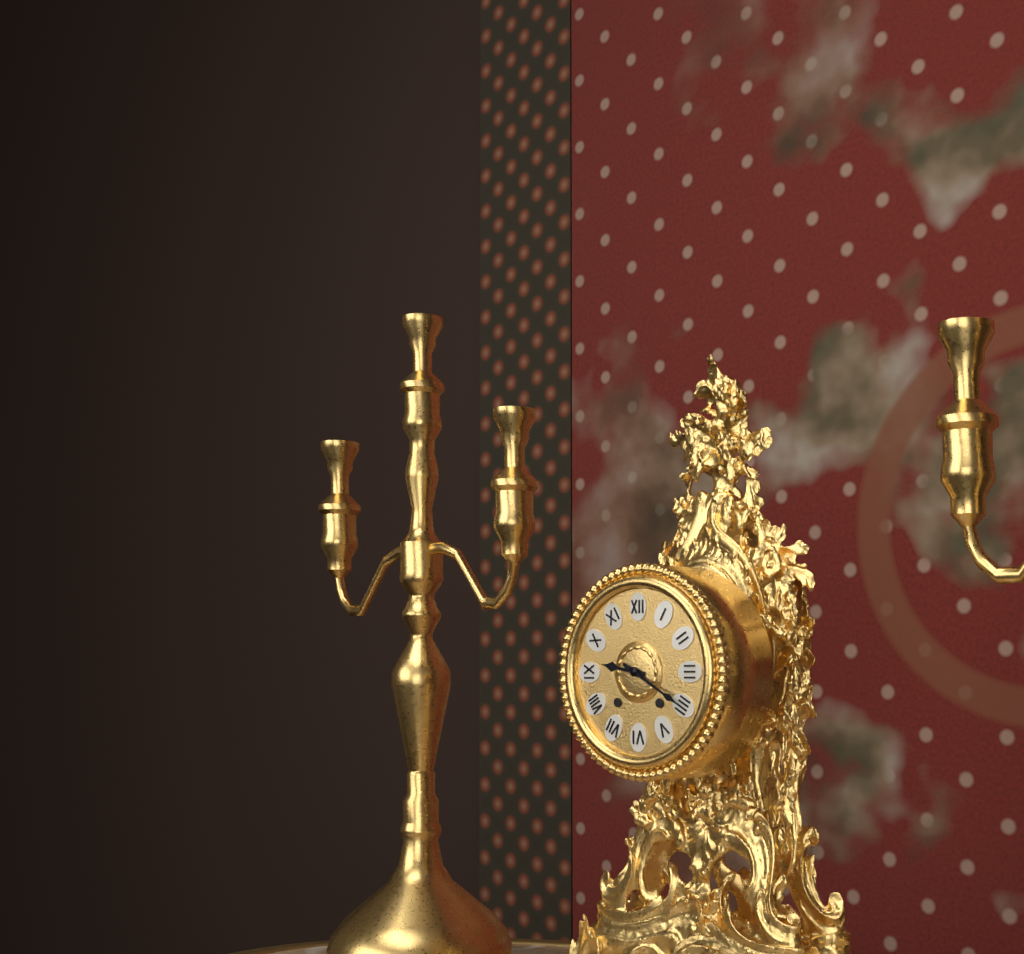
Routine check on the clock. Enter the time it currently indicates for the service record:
9:20
